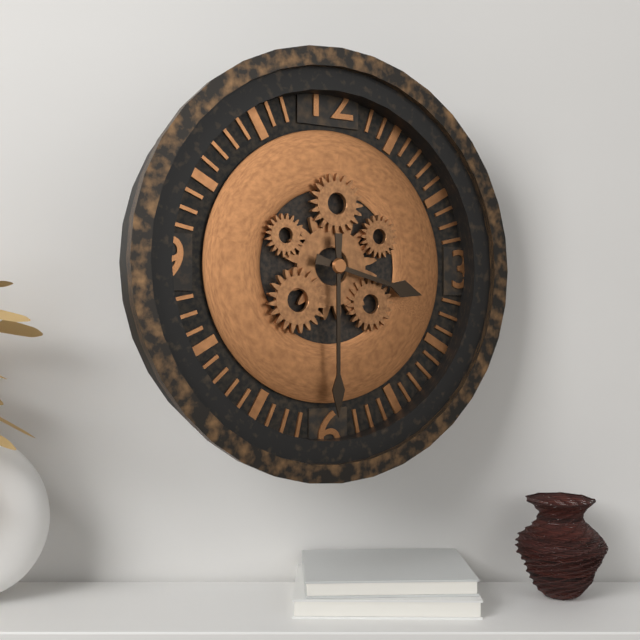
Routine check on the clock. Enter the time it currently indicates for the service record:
3:30
